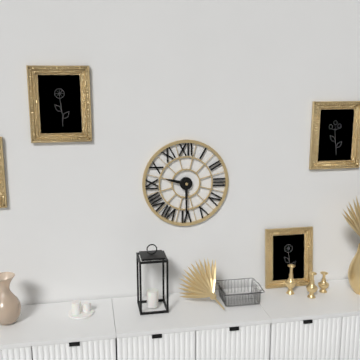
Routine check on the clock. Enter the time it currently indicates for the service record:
9:30
